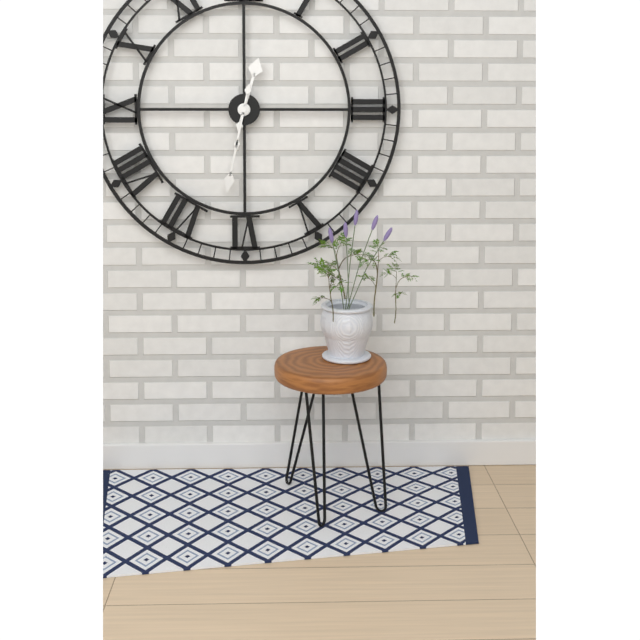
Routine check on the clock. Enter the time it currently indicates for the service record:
12:32
